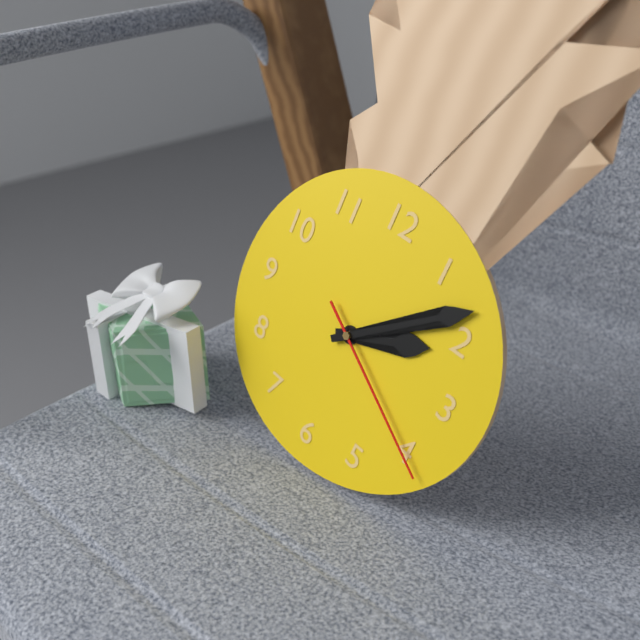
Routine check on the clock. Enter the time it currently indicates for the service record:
2:08:20
